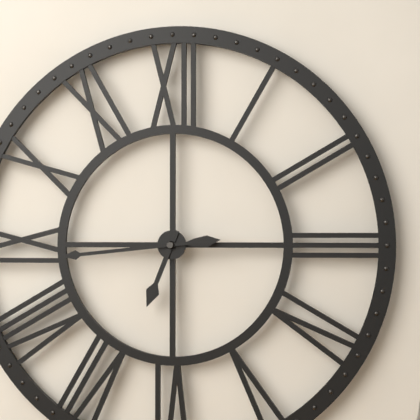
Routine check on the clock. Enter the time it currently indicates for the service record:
6:44
